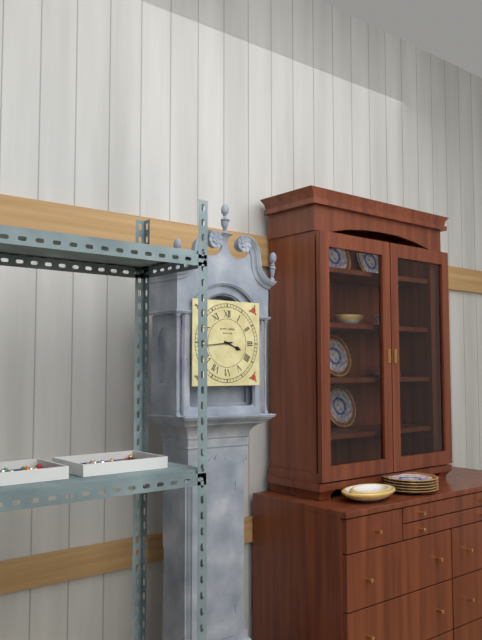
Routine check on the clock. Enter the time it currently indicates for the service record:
3:44
